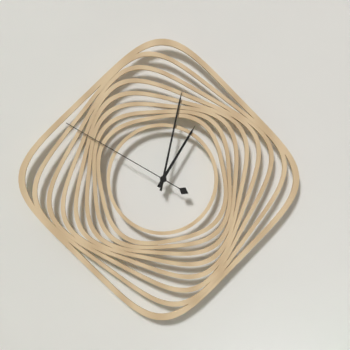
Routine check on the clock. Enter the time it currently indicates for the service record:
1:02:50
